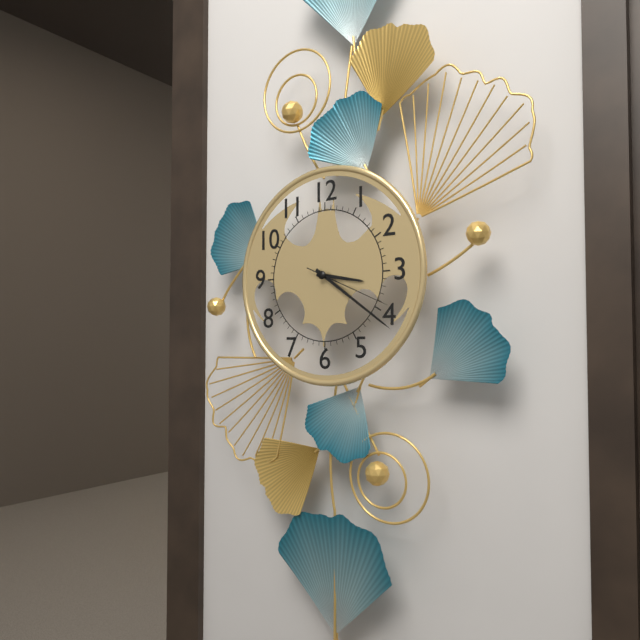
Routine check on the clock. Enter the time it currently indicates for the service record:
3:21:19
